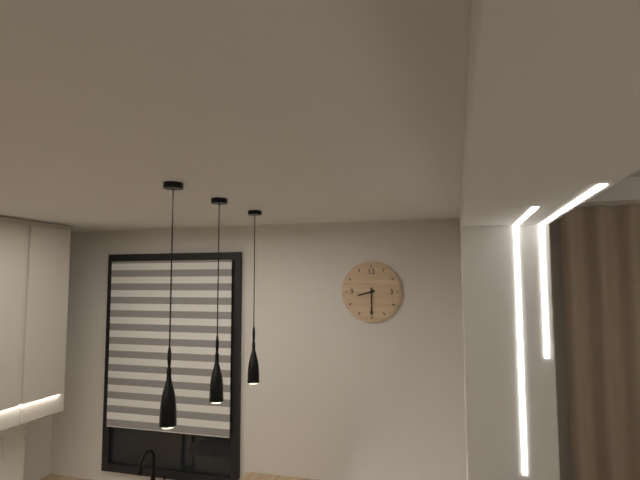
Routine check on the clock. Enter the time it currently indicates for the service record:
8:30
